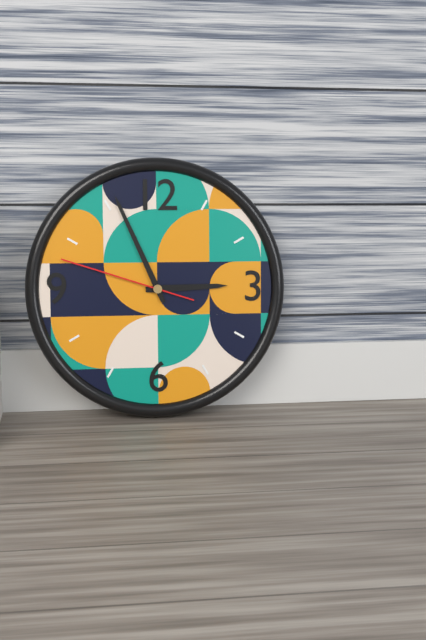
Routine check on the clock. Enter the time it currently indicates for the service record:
2:56:48
